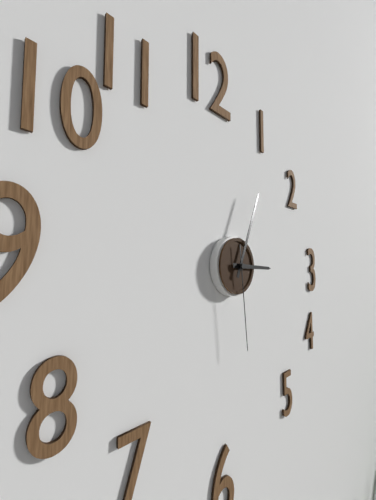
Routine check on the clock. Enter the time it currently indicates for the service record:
3:04:29
